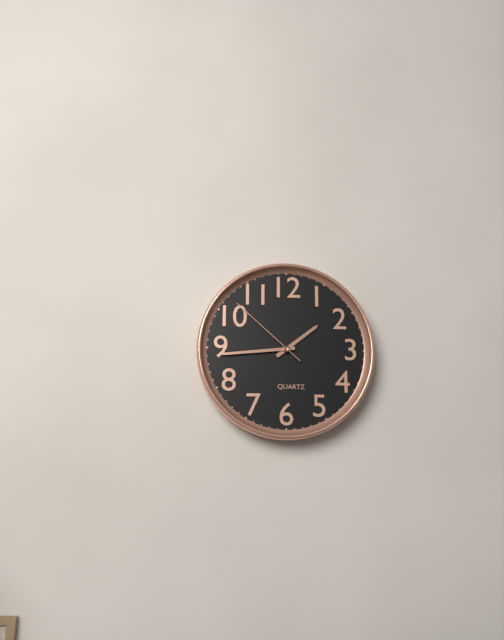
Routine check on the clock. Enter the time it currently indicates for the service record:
1:44:52
